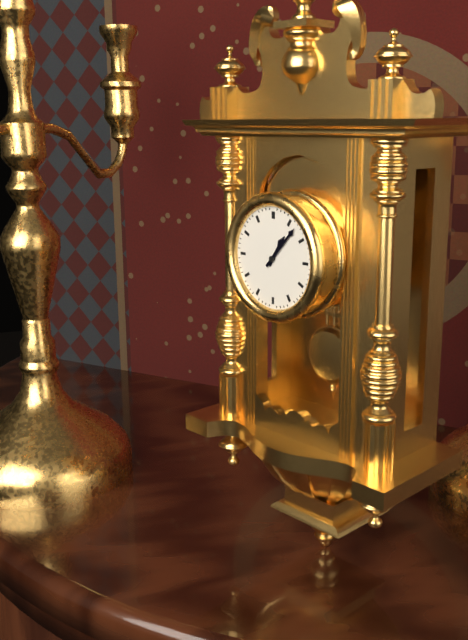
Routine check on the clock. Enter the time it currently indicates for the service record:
1:07
